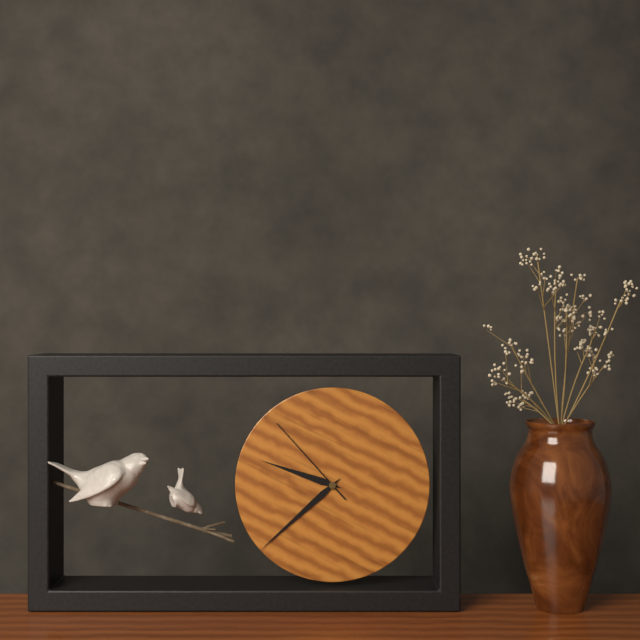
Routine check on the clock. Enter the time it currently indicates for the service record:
9:38:53
